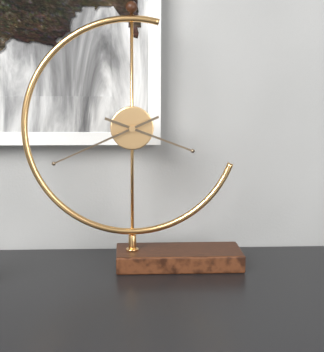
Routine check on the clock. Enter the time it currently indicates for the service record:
3:41
